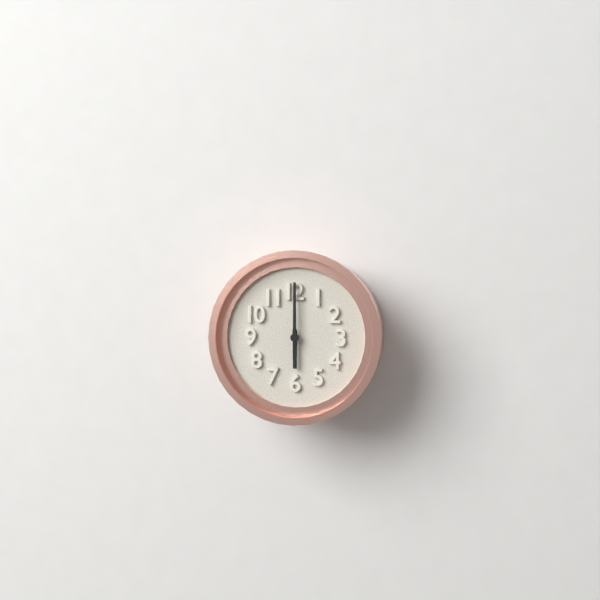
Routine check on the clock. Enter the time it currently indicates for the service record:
6:00
